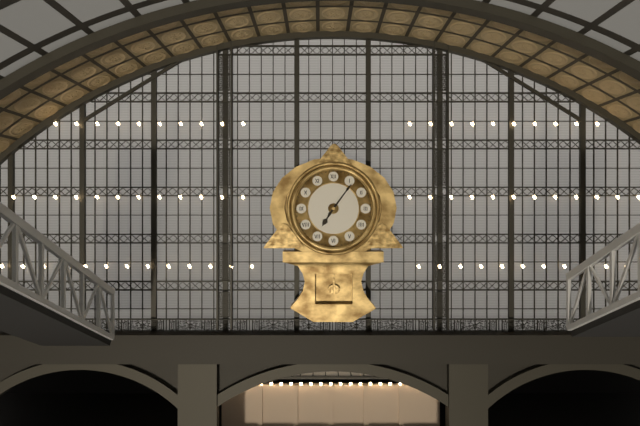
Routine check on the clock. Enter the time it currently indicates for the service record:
7:06
